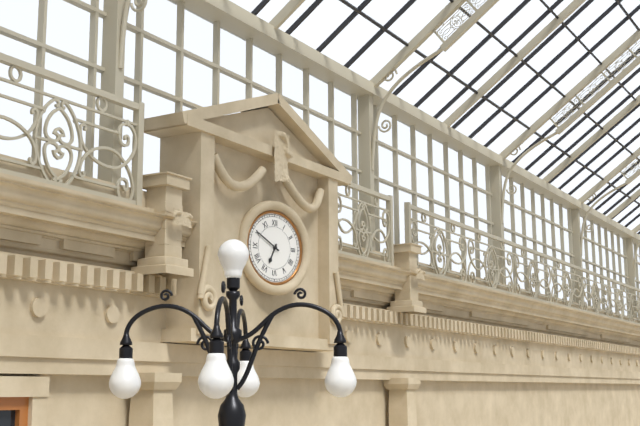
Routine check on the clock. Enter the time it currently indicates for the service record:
6:50
